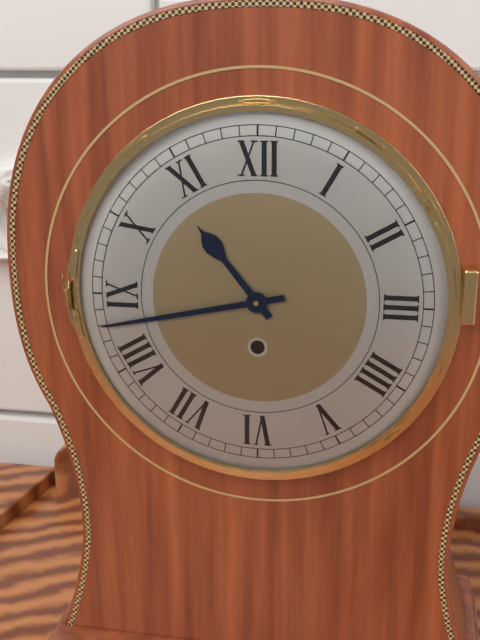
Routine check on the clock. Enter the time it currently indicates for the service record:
10:43
